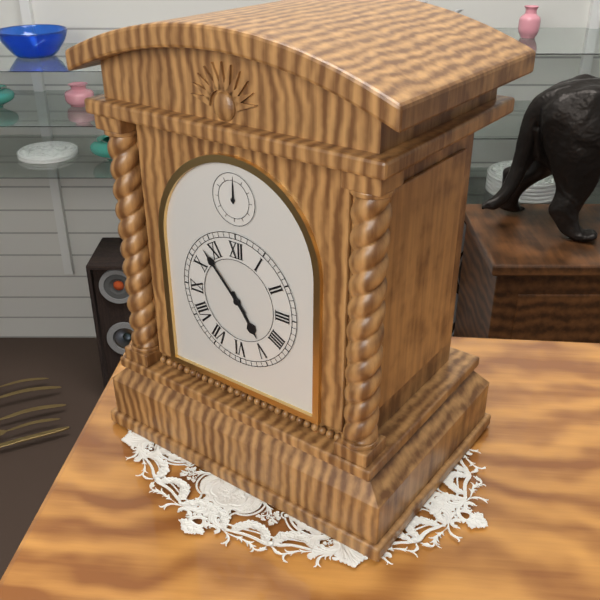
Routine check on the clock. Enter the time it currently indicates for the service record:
4:53
